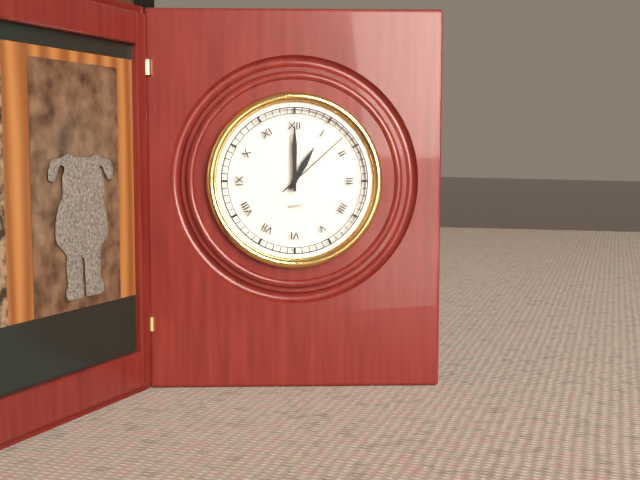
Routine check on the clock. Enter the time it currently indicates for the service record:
1:00:08
